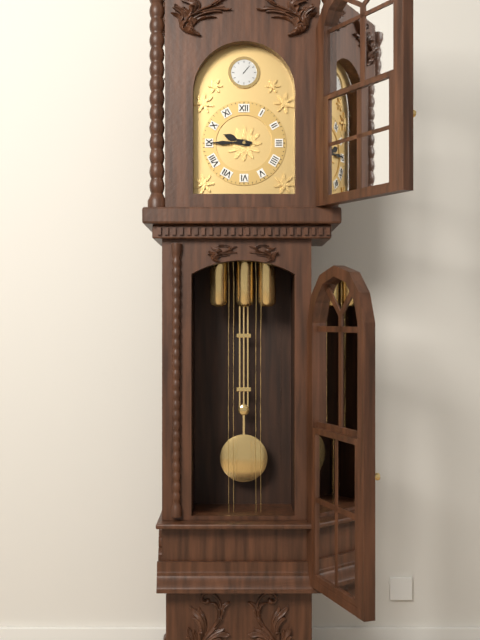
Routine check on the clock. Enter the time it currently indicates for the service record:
9:45
